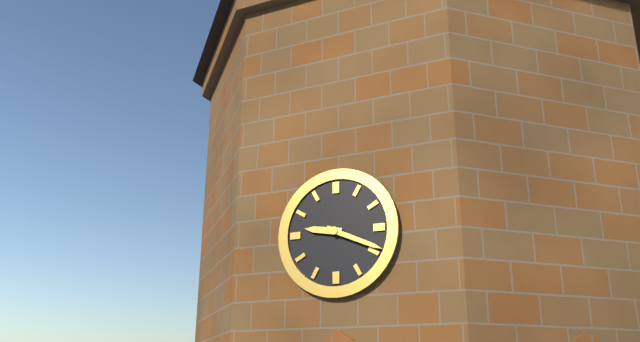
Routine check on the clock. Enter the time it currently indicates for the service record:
9:19
